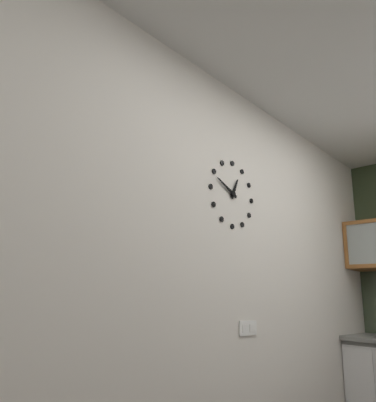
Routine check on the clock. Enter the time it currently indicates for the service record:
12:49
